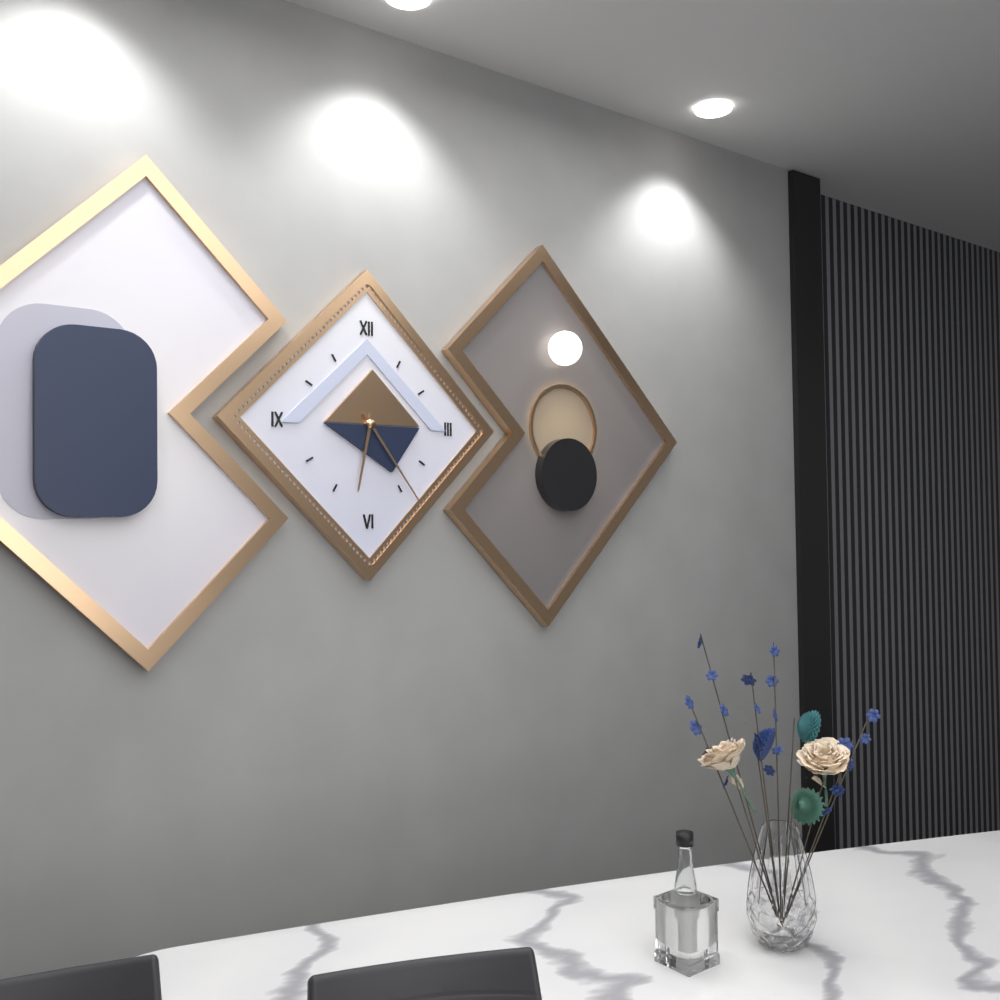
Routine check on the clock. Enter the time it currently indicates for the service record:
6:24
